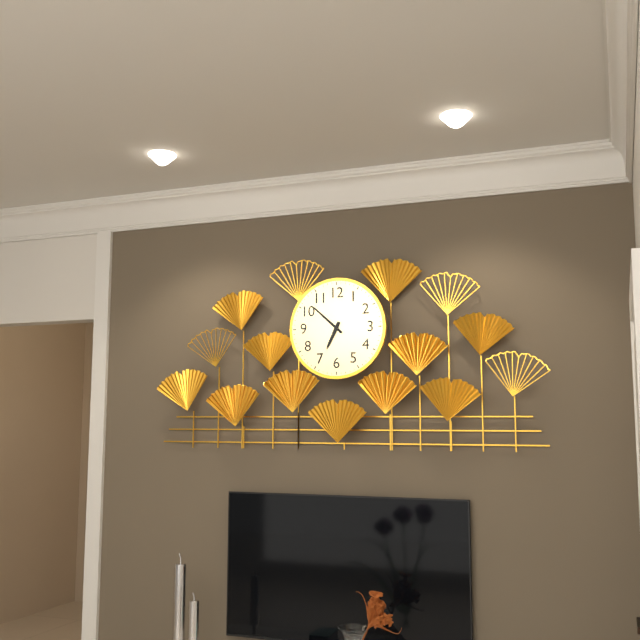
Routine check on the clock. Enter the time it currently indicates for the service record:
6:52
